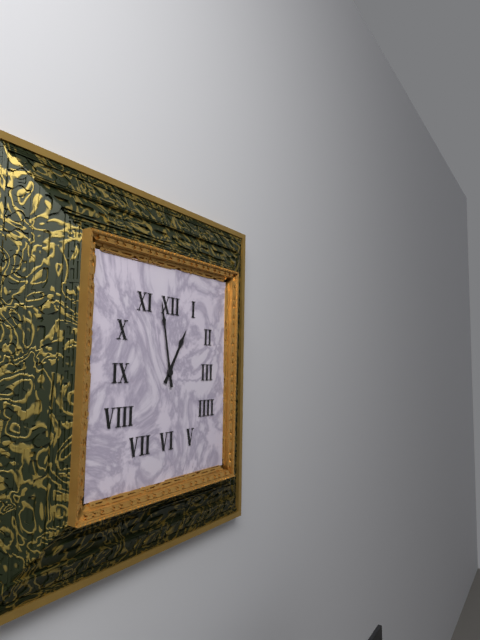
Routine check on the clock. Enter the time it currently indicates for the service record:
12:58
